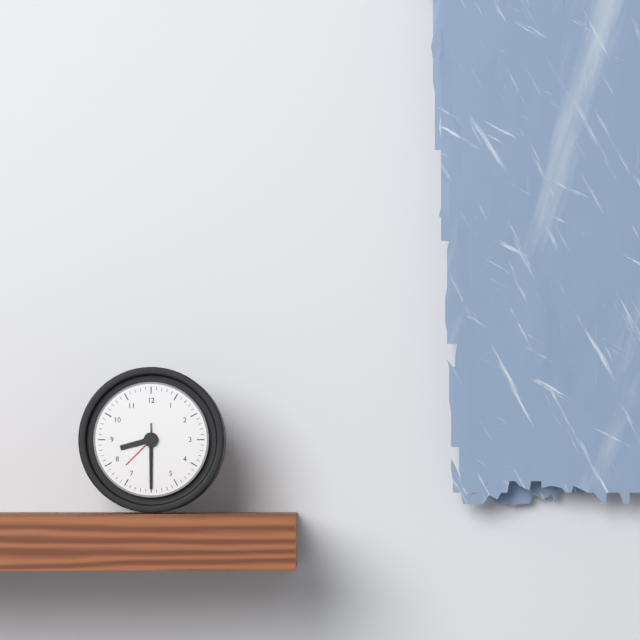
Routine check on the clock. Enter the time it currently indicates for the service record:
8:30:30
